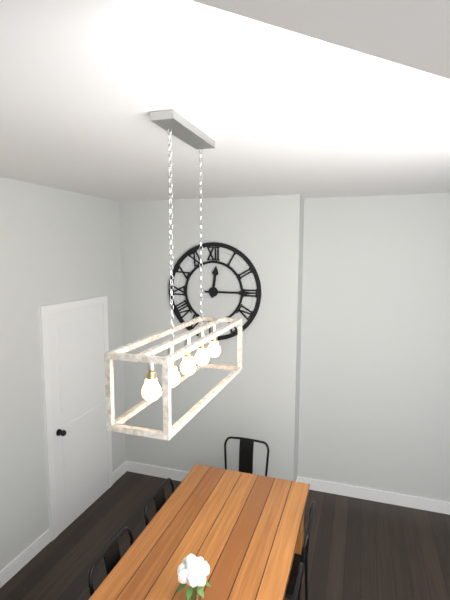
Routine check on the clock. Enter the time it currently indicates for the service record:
12:15
